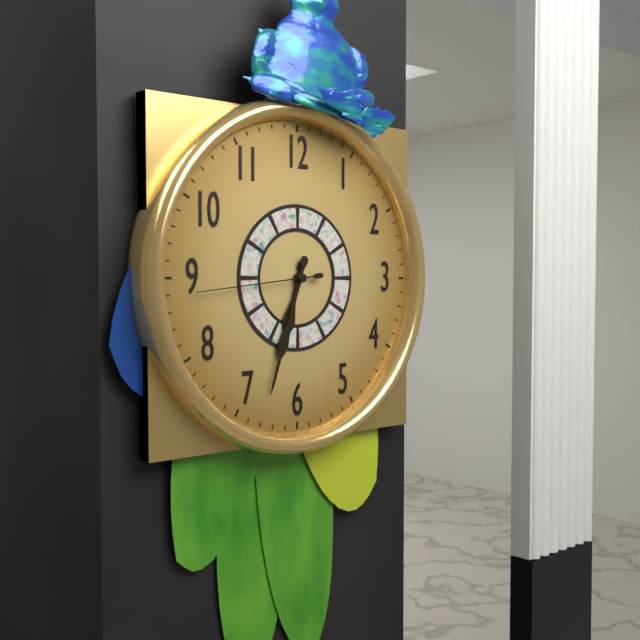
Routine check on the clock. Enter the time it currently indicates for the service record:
6:33:44
